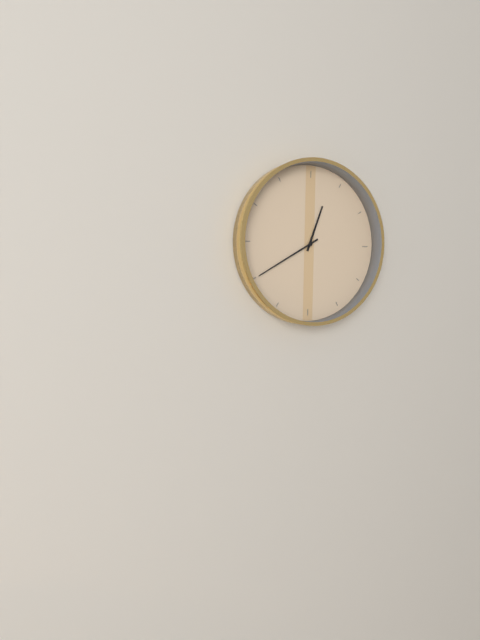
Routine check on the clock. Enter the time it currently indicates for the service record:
12:40
